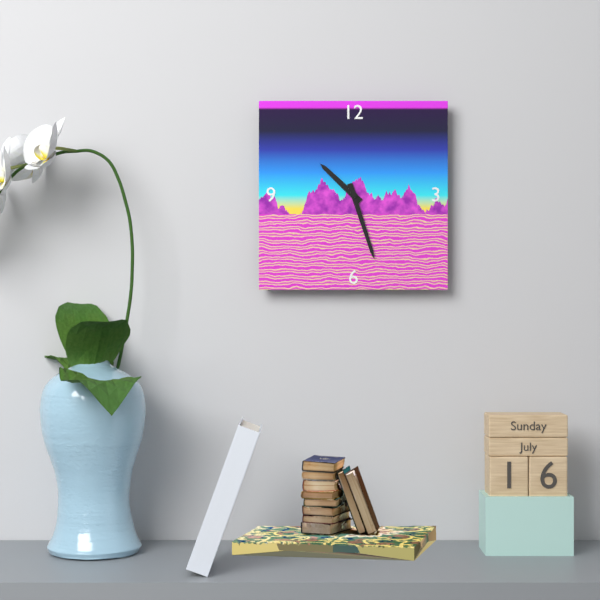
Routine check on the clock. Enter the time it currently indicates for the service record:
10:27
